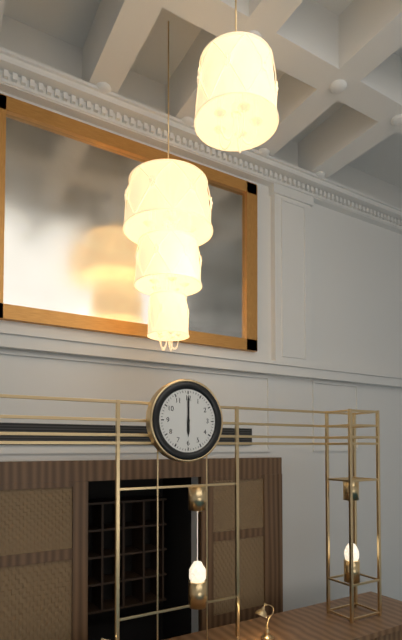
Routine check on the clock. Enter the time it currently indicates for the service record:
6:00
